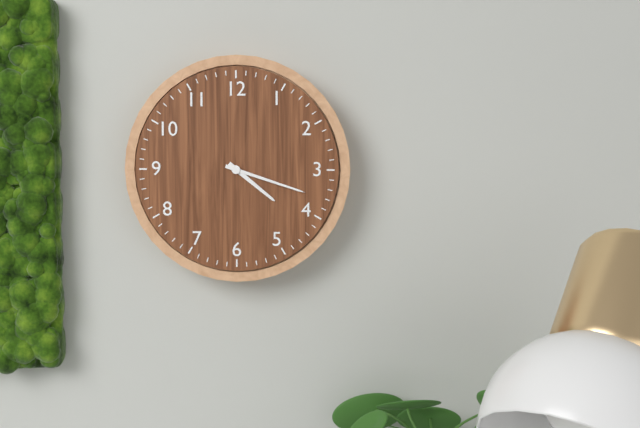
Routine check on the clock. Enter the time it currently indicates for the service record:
4:18
